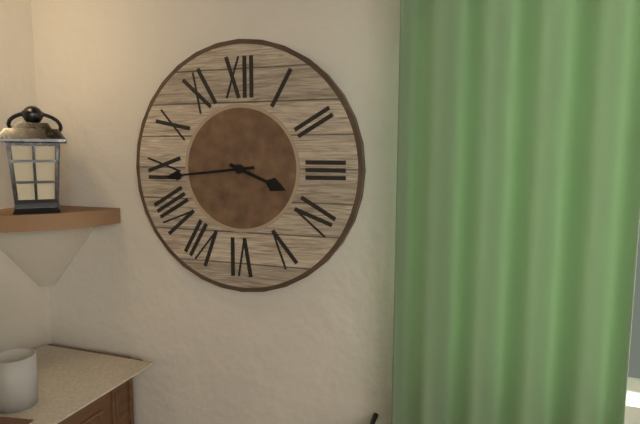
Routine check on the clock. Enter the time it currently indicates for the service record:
3:44
